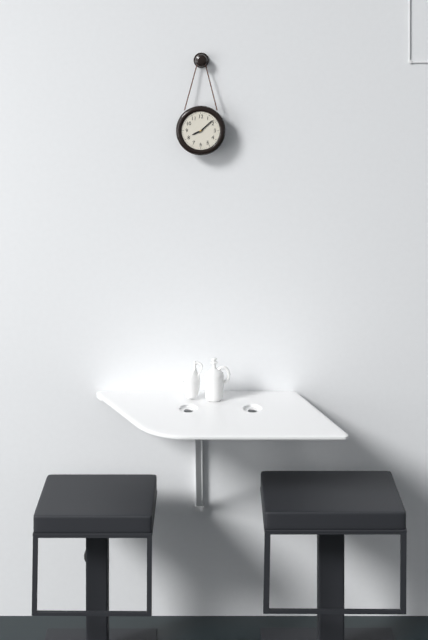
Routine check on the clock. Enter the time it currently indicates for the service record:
8:08
